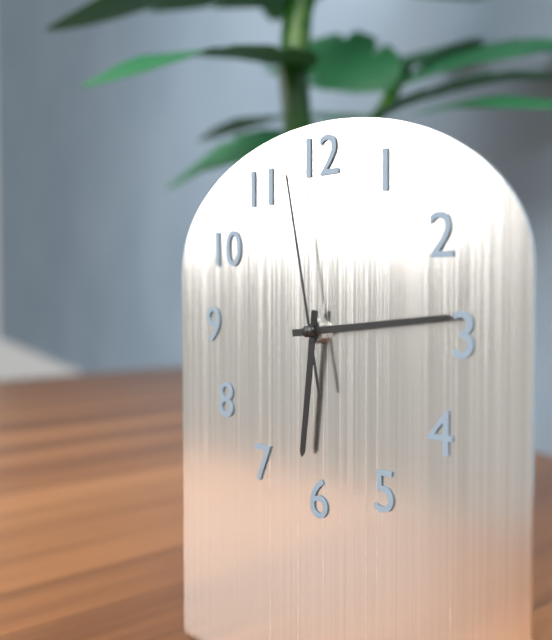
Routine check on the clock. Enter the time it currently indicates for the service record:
6:14:58
